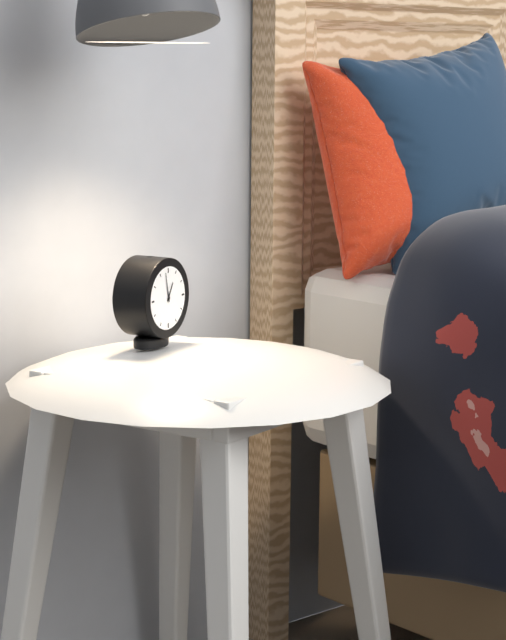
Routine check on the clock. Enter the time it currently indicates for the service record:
12:58
